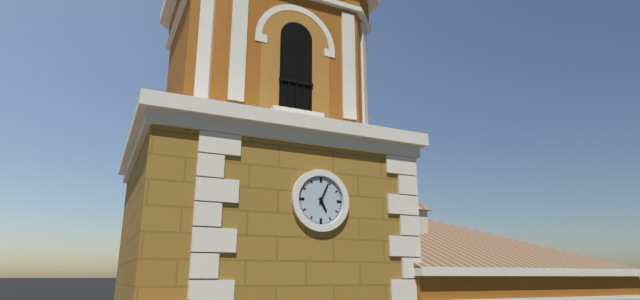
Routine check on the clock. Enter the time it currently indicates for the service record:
5:04
